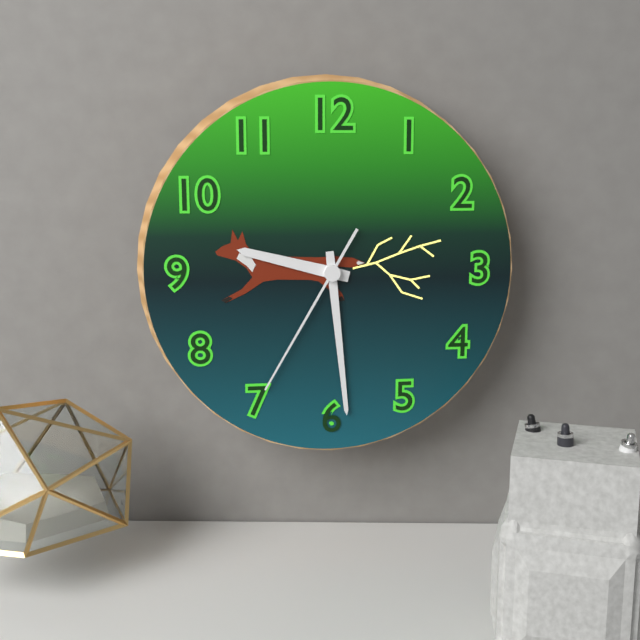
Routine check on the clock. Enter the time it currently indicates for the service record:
9:29:35
